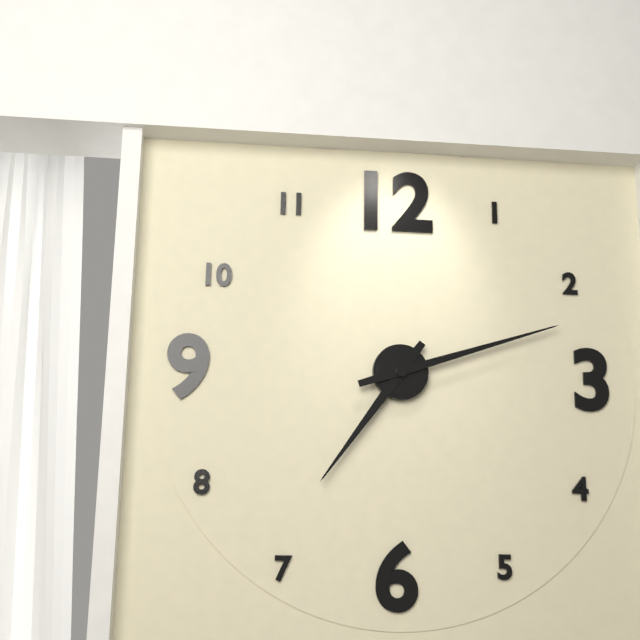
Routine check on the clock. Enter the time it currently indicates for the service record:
7:12
